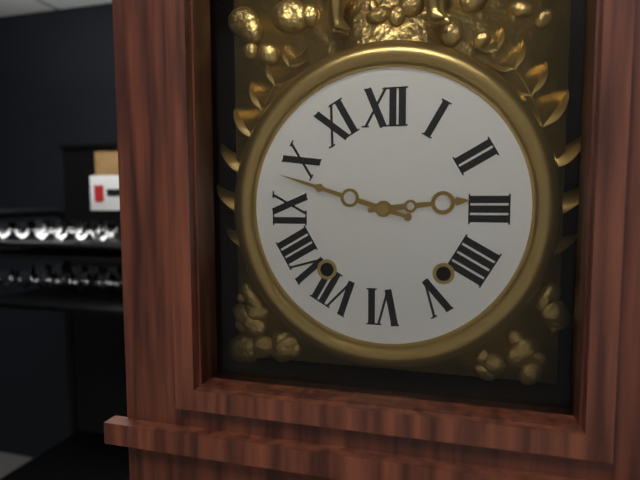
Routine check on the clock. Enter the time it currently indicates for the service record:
2:48
